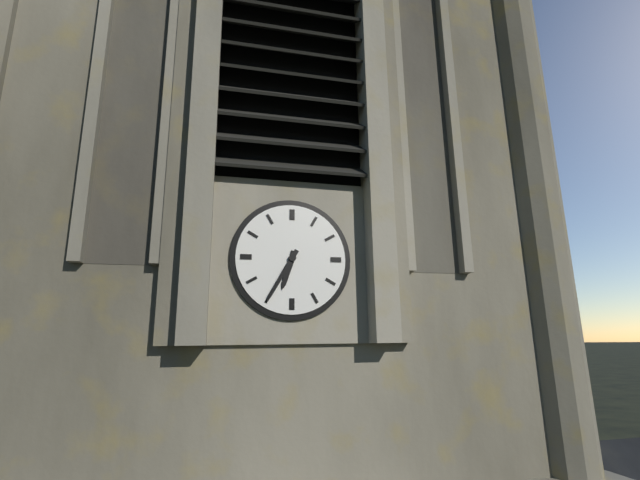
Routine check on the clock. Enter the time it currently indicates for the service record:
6:35
